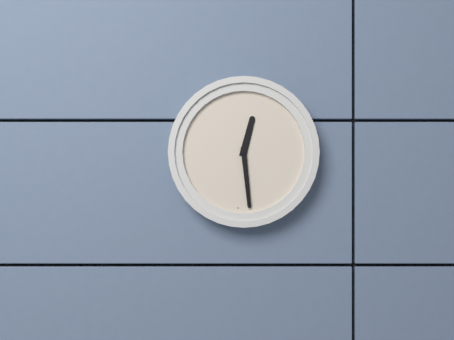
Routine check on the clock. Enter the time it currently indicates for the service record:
12:29
